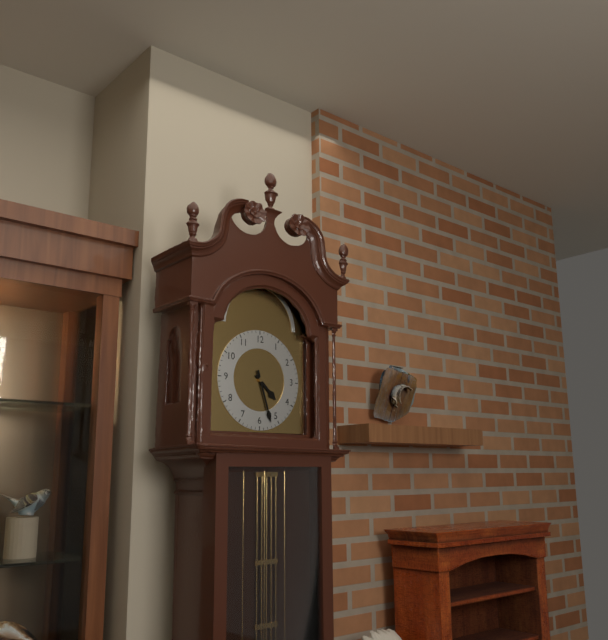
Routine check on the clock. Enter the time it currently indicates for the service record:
4:27
